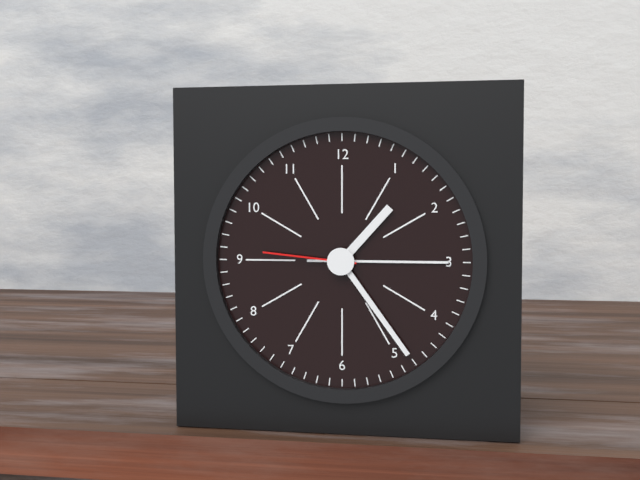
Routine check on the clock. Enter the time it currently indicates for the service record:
1:24:46
